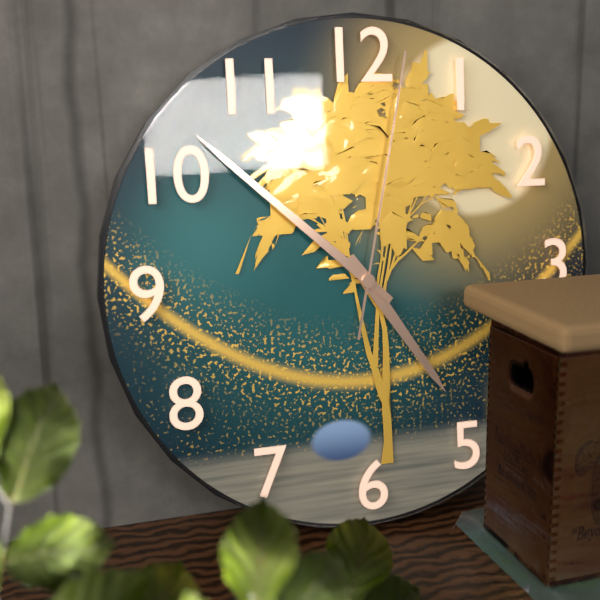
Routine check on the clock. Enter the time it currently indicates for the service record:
4:52:02
